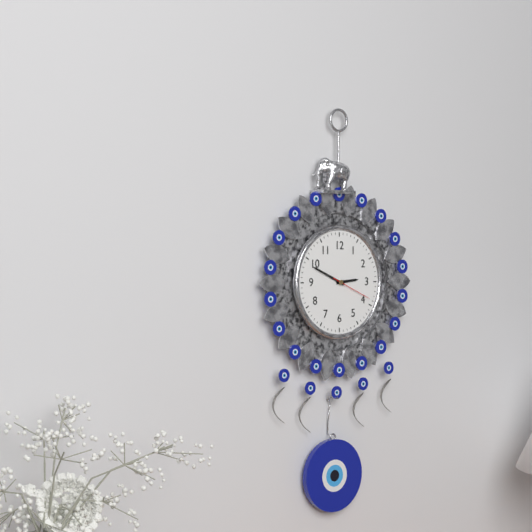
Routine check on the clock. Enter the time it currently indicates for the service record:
2:49
